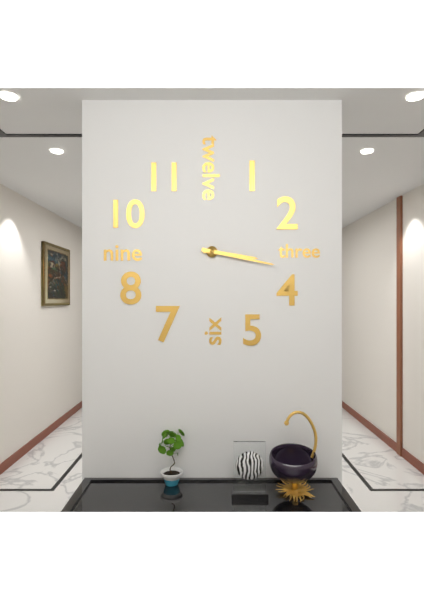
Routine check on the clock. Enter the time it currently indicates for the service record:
3:17
